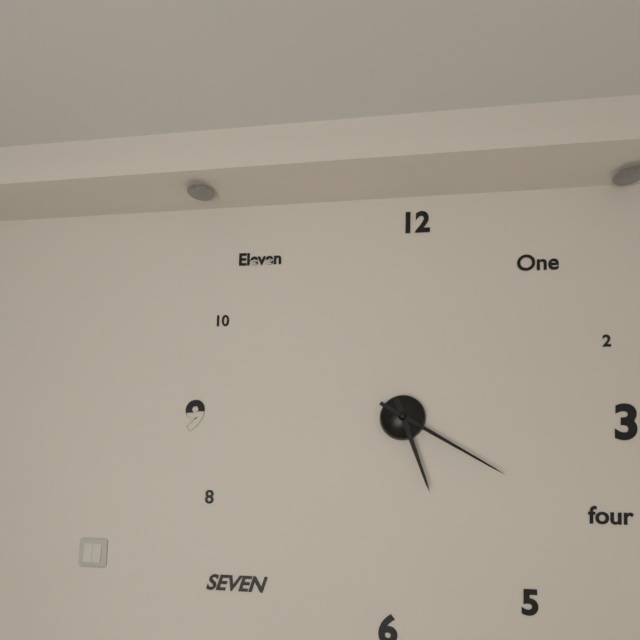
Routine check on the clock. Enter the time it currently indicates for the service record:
5:20
